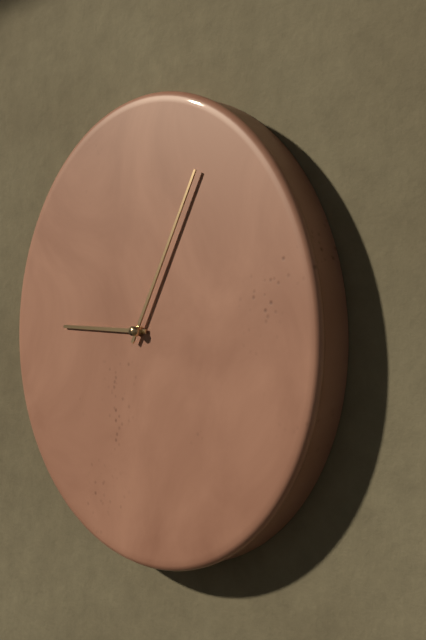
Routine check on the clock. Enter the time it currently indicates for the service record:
9:05
